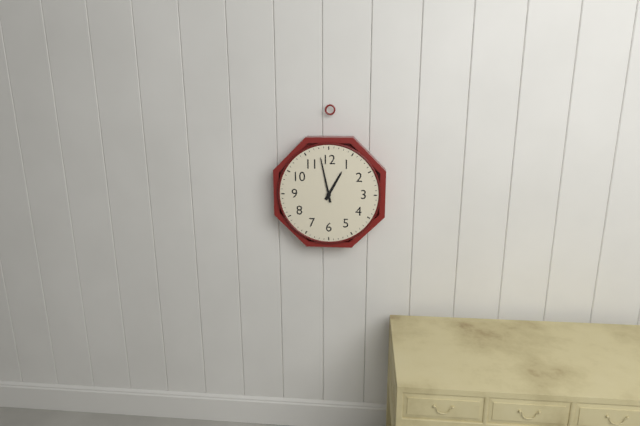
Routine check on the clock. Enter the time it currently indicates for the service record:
12:58
